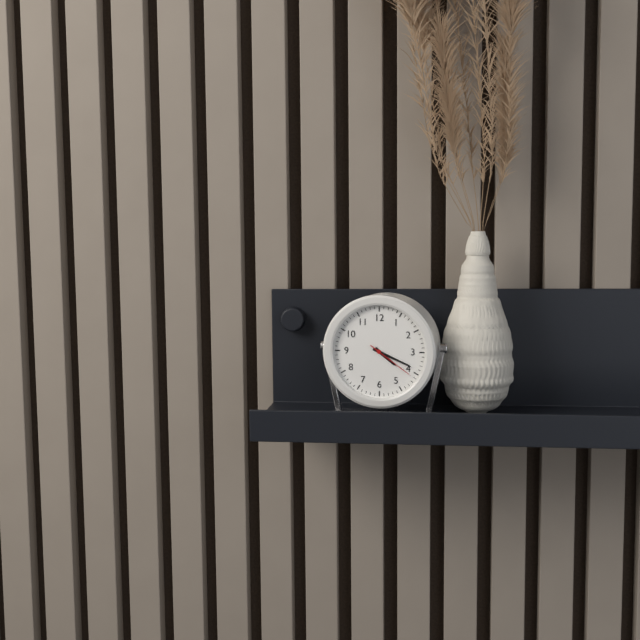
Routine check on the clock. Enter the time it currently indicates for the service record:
4:19
